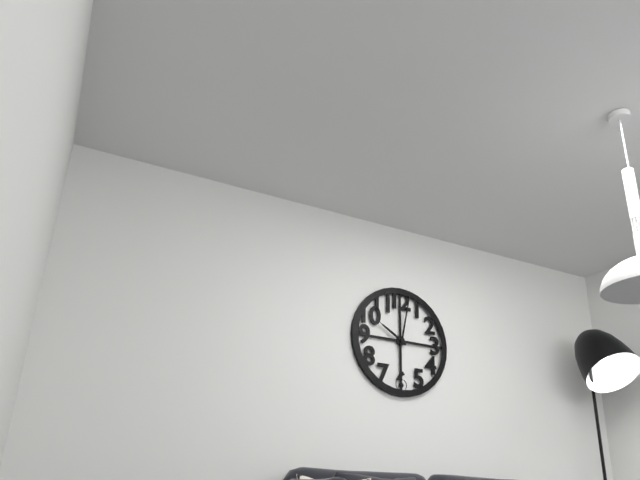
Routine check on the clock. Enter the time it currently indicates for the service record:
10:02
